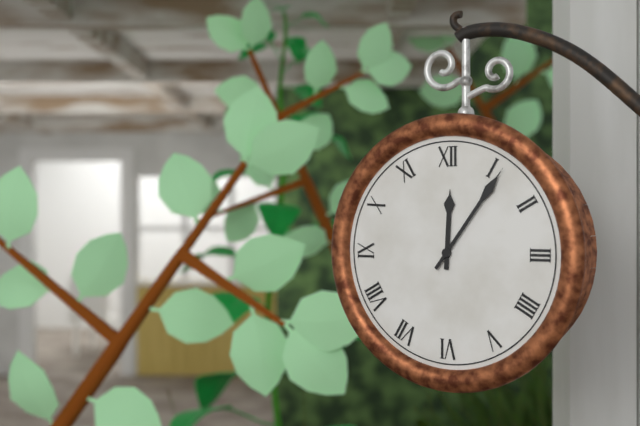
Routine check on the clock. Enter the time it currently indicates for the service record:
12:06
